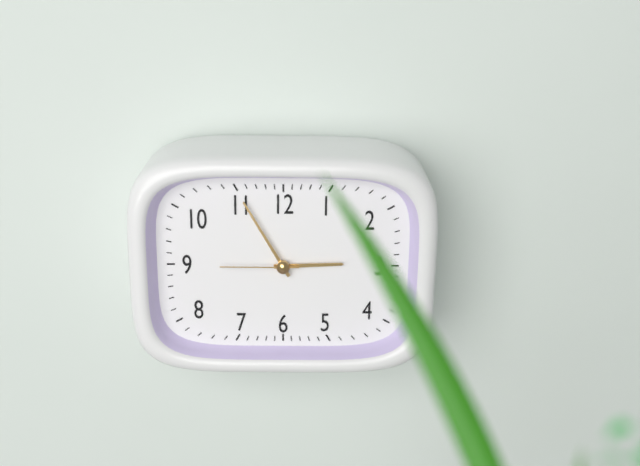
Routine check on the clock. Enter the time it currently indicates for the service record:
2:55:45
